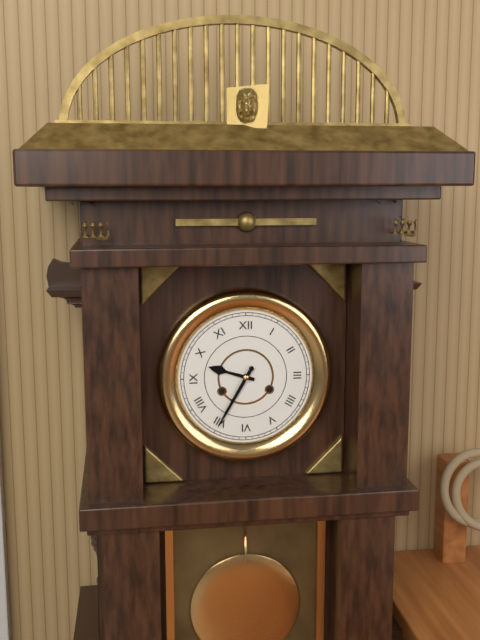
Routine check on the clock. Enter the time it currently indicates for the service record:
9:35
